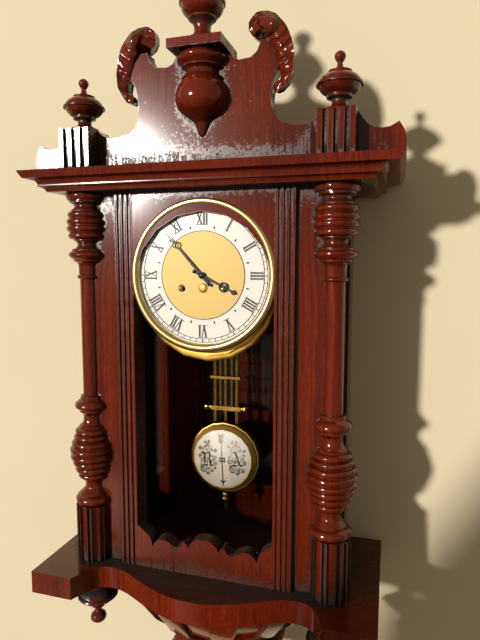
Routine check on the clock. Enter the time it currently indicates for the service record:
3:53
